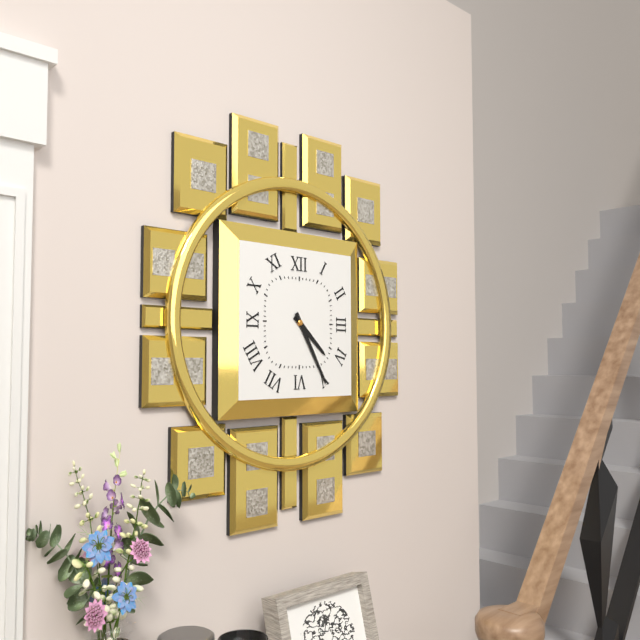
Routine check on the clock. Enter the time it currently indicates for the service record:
4:25
